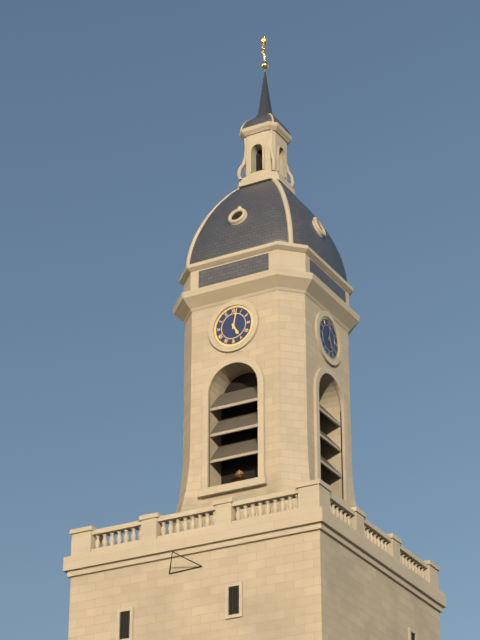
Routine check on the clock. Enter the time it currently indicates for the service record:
5:02
